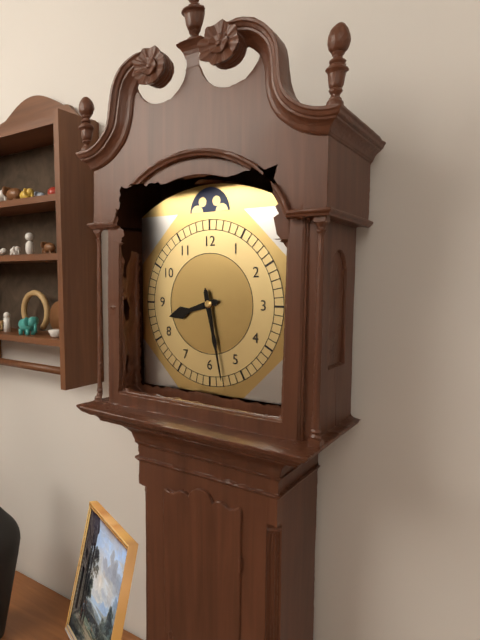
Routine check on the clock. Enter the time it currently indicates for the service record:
8:28
